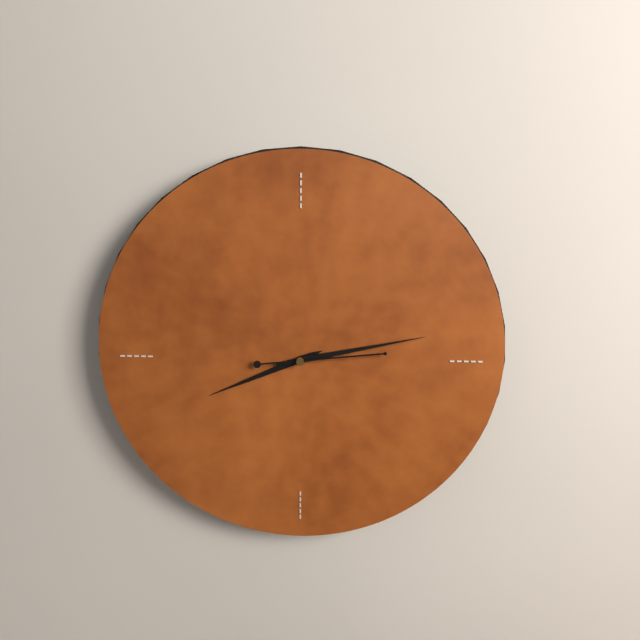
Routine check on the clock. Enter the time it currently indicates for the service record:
8:13:14
